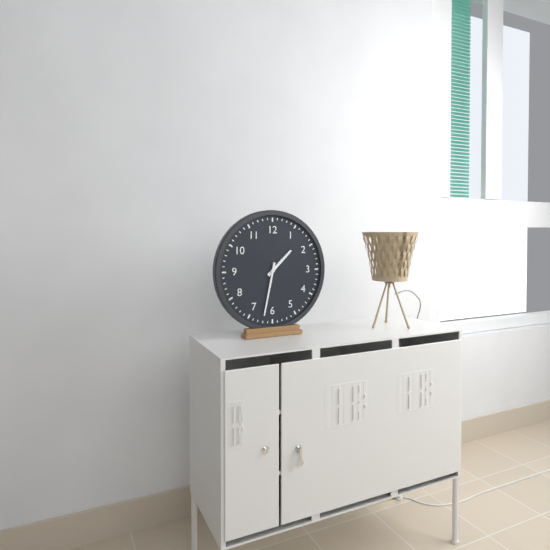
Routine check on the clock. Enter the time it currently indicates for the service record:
1:32
